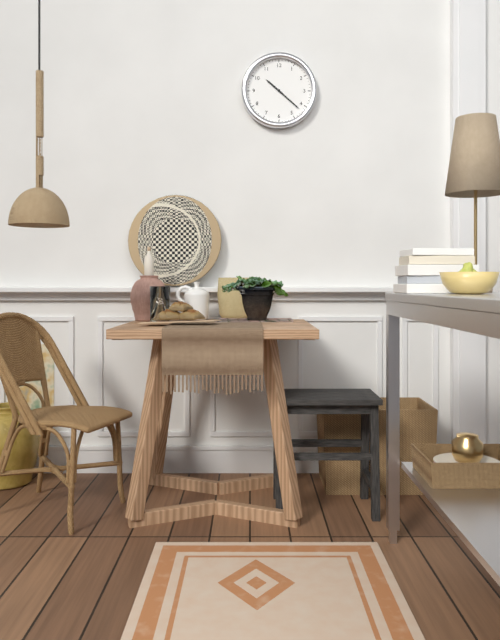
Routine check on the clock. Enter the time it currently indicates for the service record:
10:22
